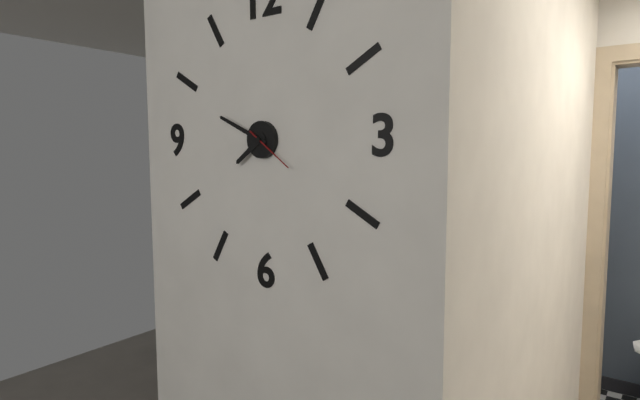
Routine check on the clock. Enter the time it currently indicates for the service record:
7:49:21
